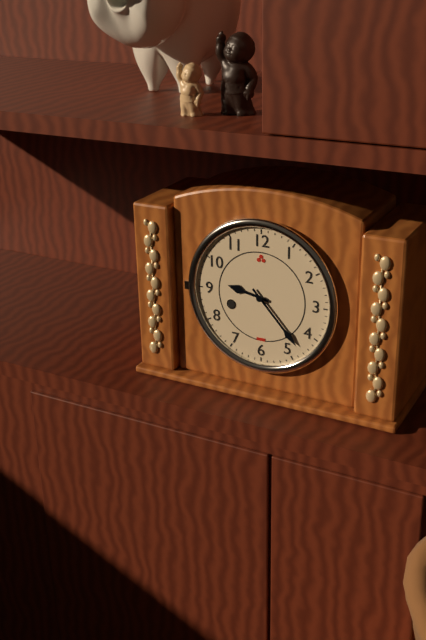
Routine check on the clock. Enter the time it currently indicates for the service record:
9:23
